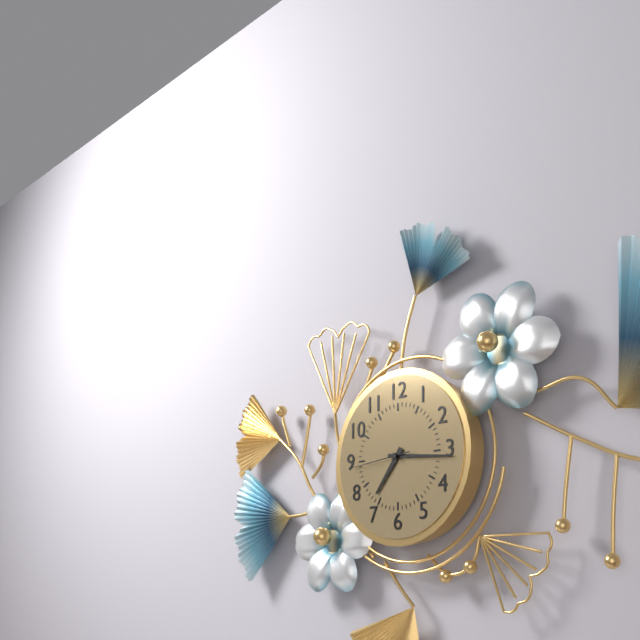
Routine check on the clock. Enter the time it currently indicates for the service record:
7:16:44
